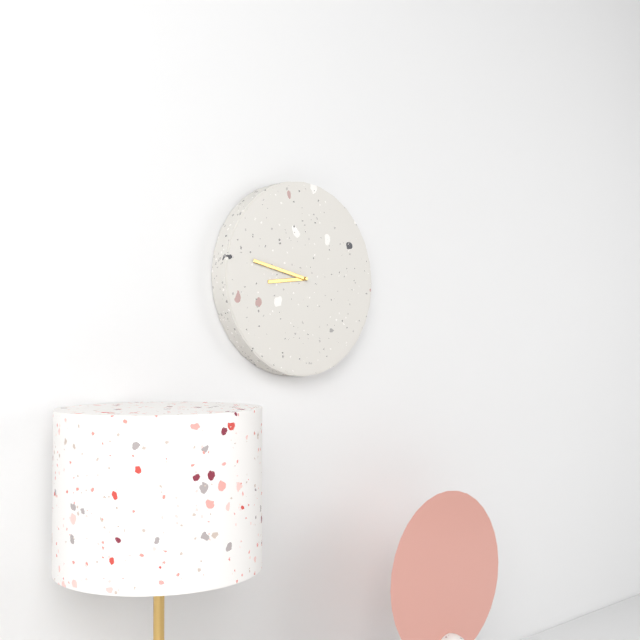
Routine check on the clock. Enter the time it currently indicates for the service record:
8:47
